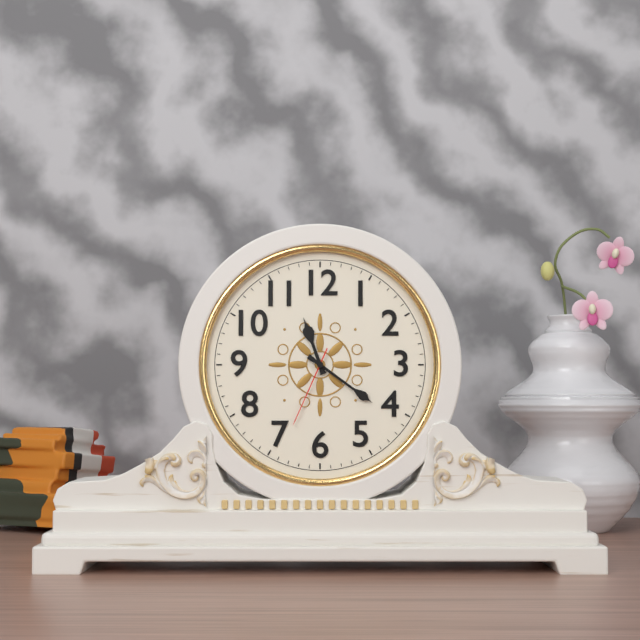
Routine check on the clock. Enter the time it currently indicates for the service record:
11:21:34
